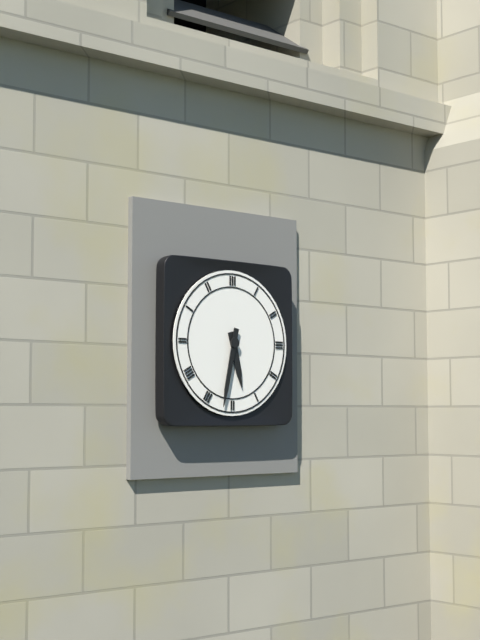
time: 5:32
